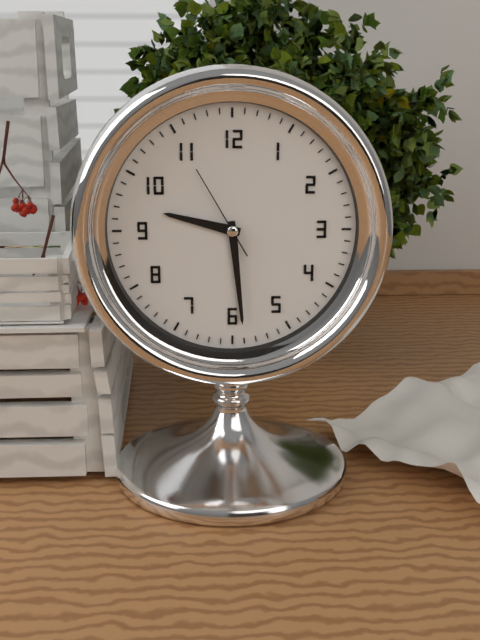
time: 9:29:55
